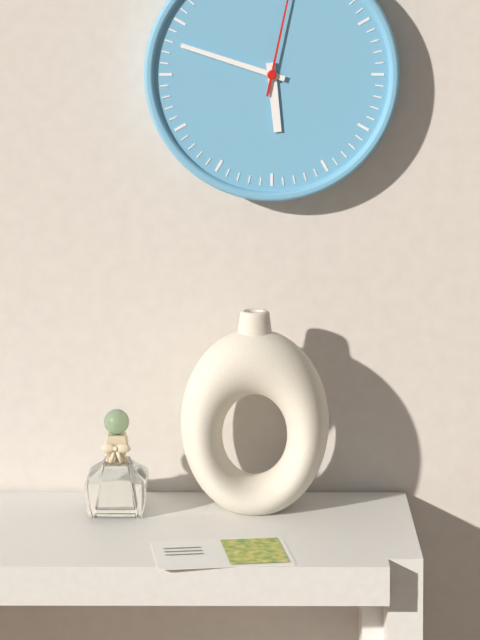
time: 5:48
